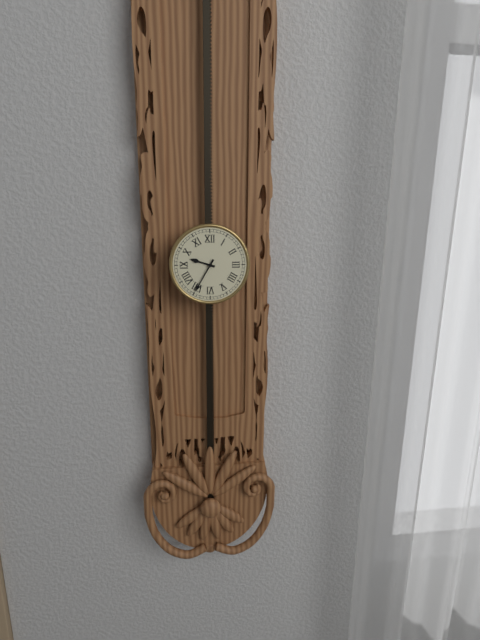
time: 9:35
